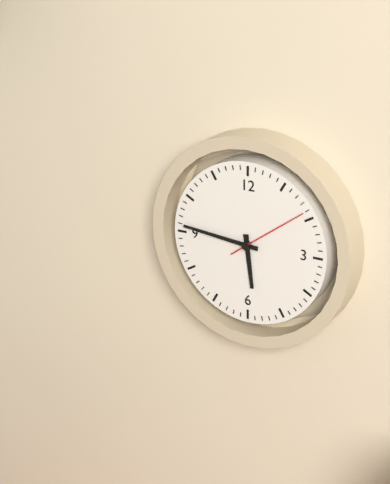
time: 5:46:09
